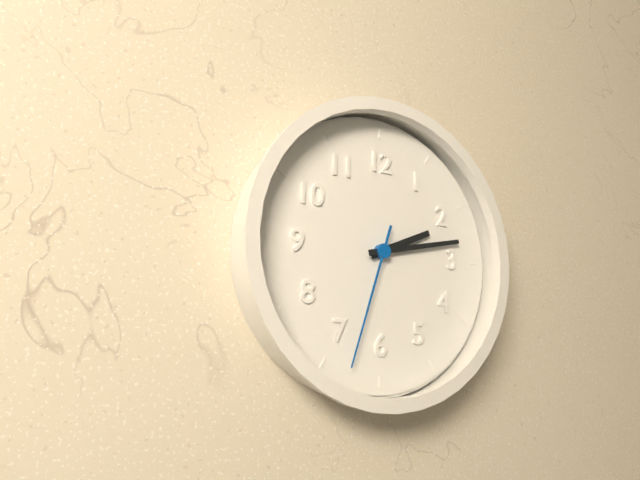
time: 2:13:33
